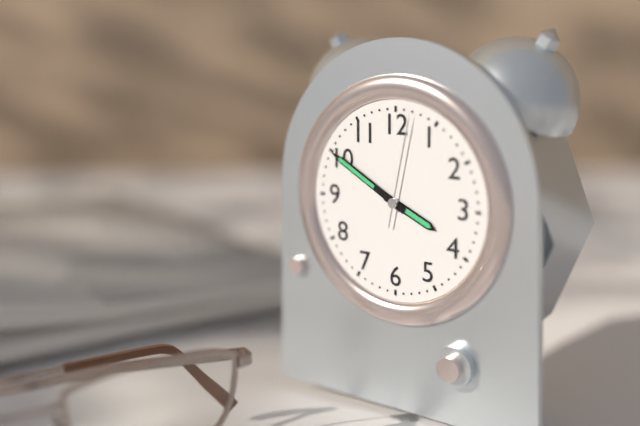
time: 3:50:02
